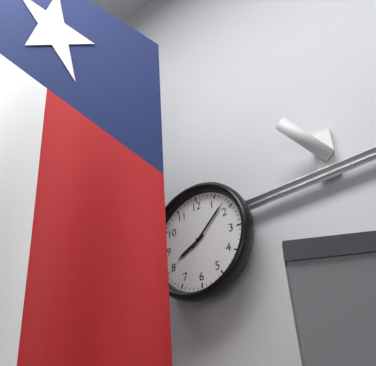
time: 8:08
